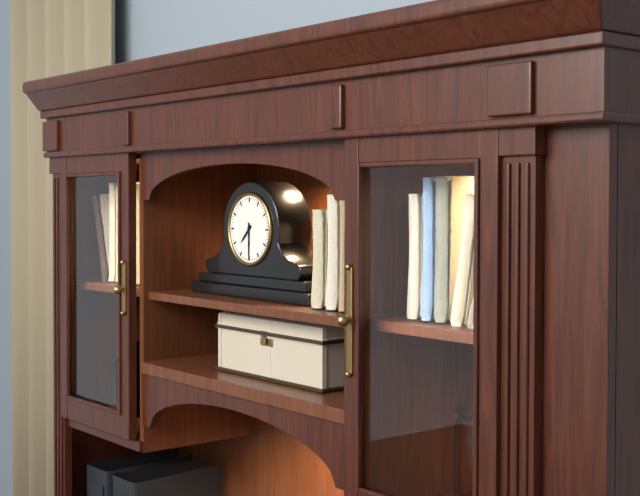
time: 7:30
